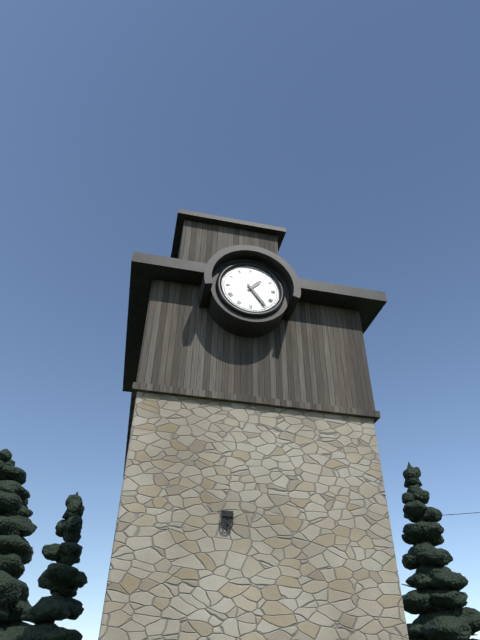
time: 1:24
